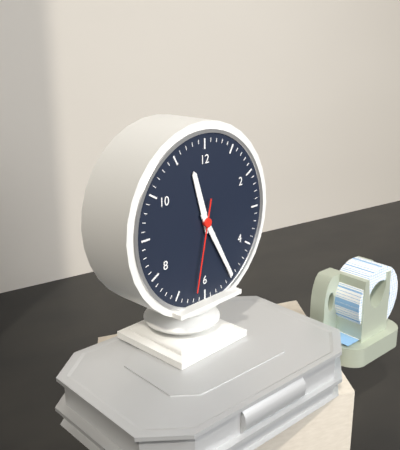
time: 11:25:32
